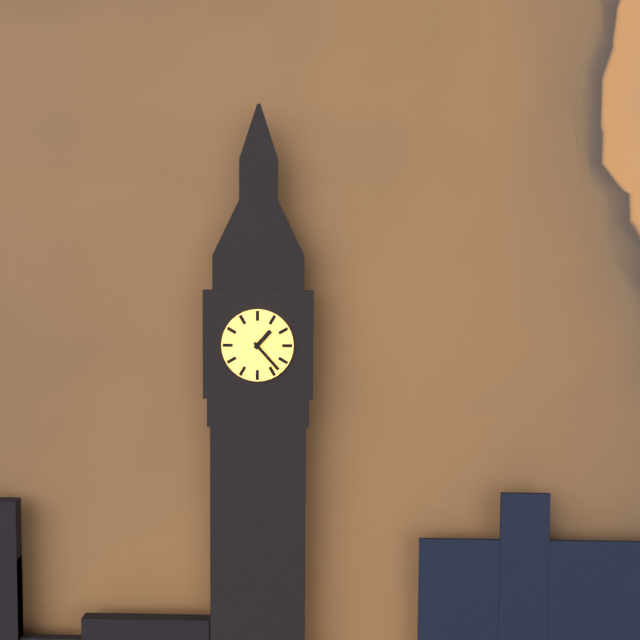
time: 1:23
